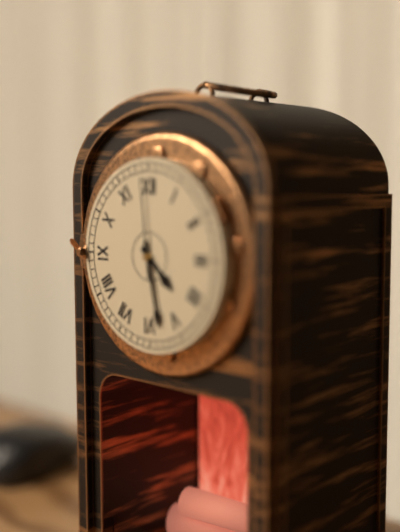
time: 4:28:59
